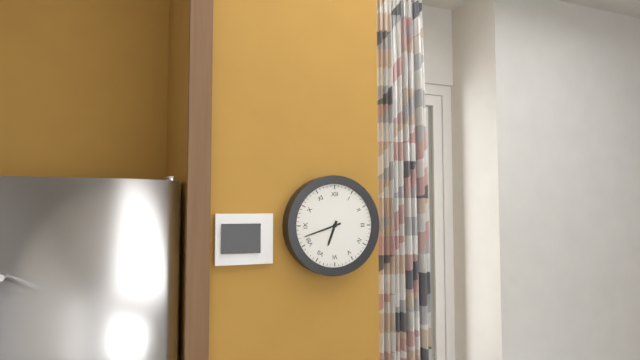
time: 6:42
